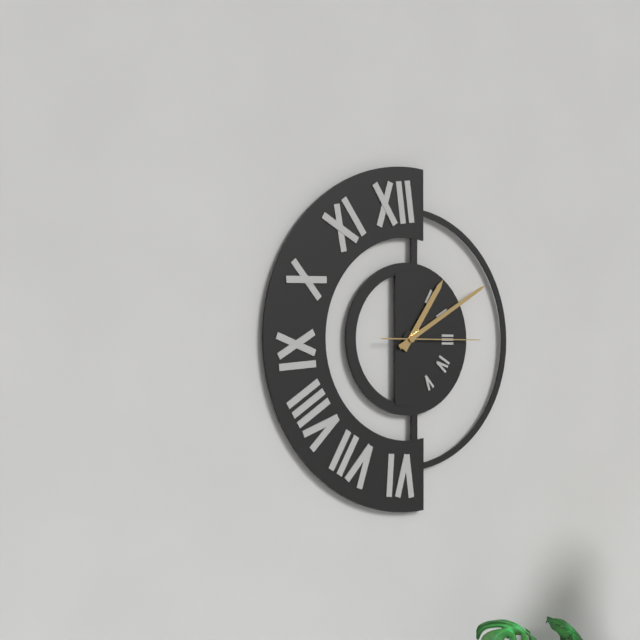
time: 1:10:15
